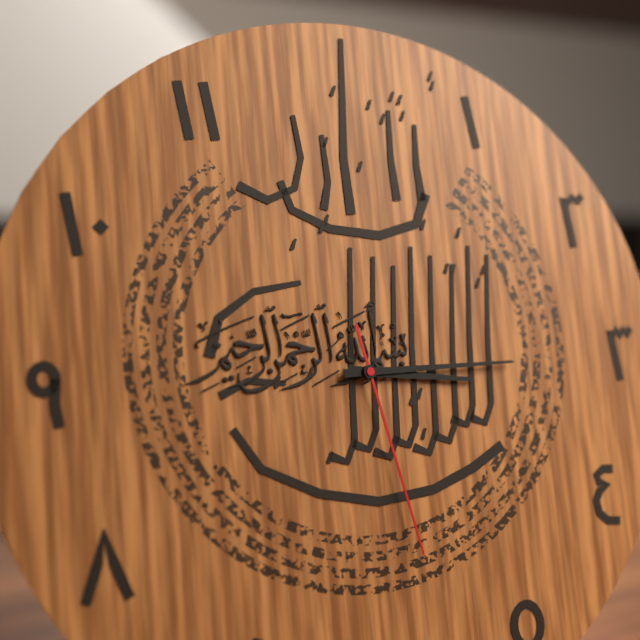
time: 3:15:28
